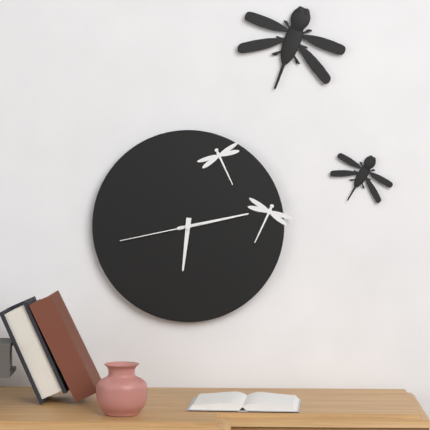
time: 6:13:43
